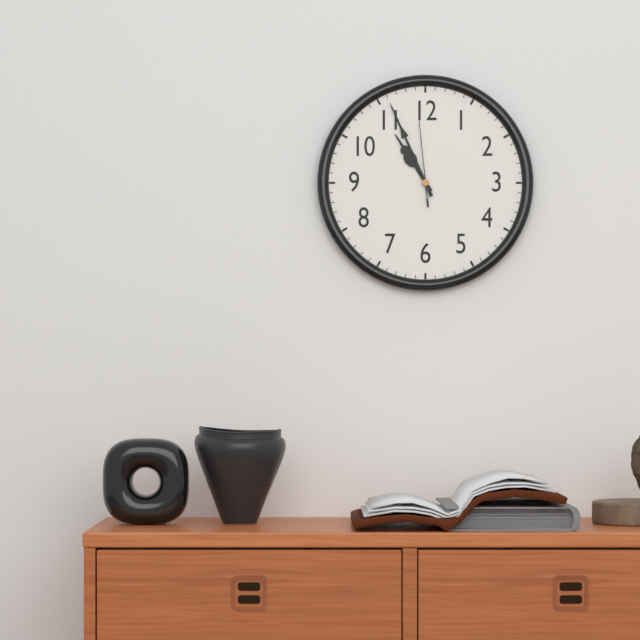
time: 10:56:59
